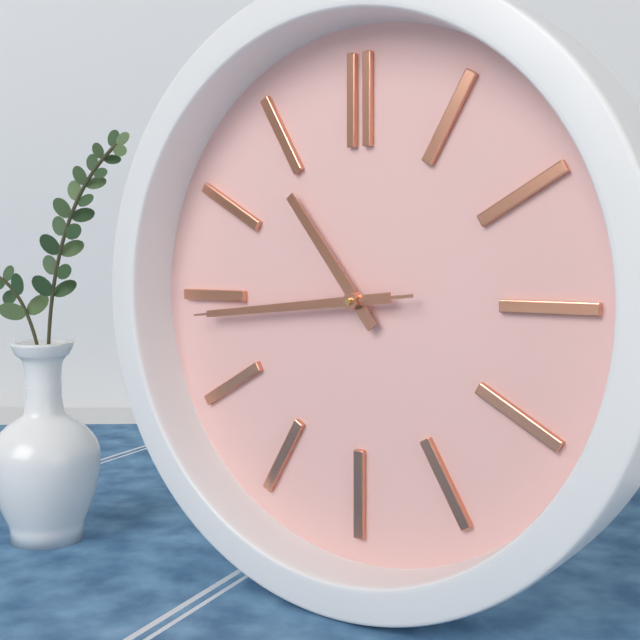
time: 10:44:44
